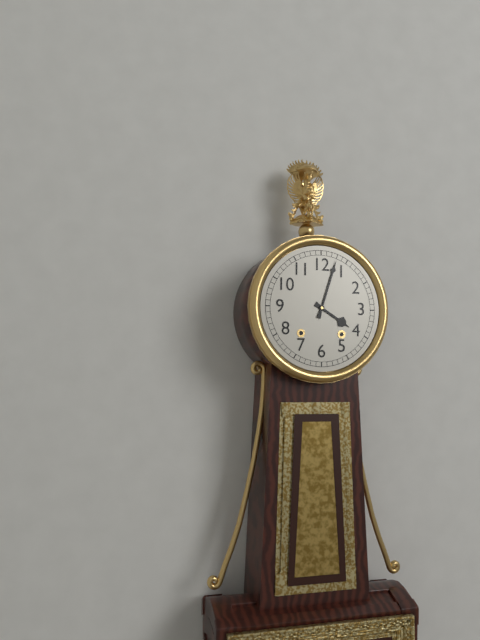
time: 4:03
